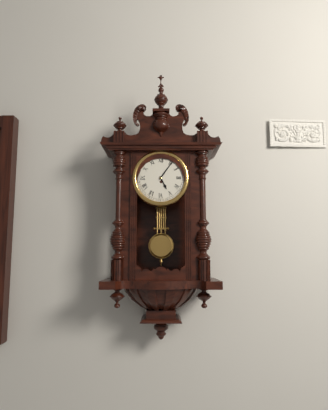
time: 5:06
